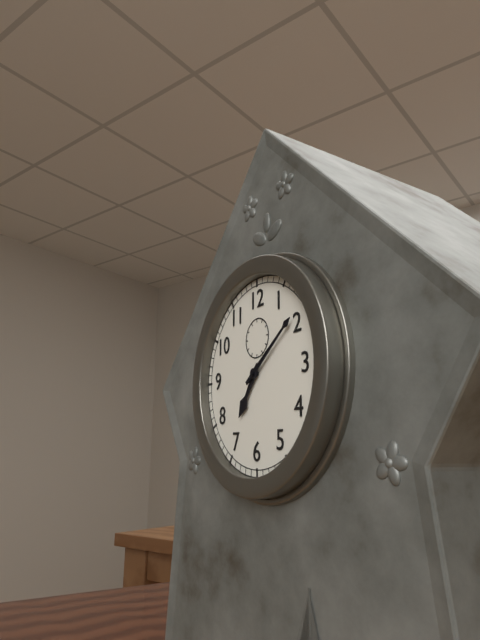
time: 7:09
